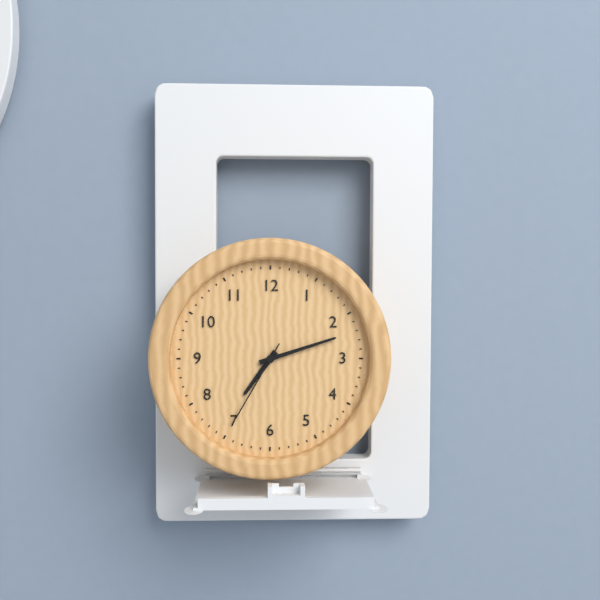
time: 7:12:35
